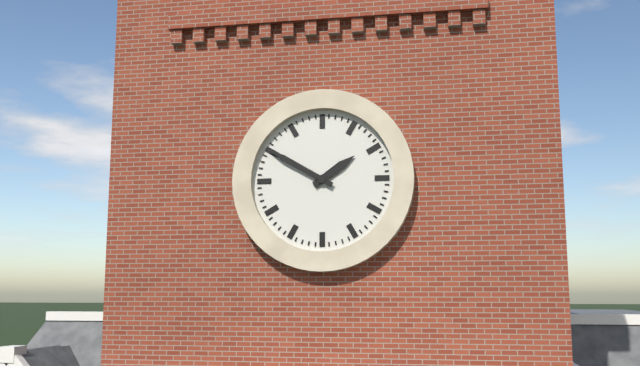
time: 1:50
